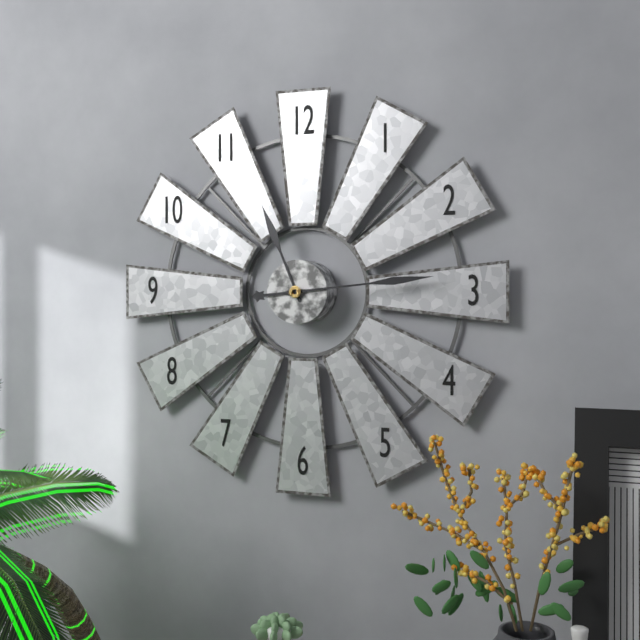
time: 11:14
